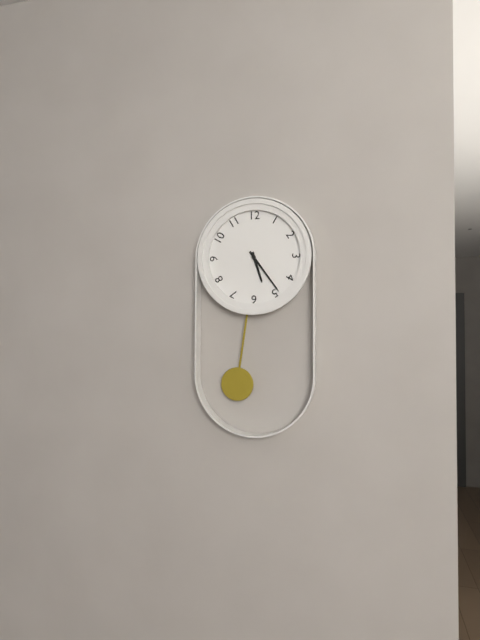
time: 5:24
